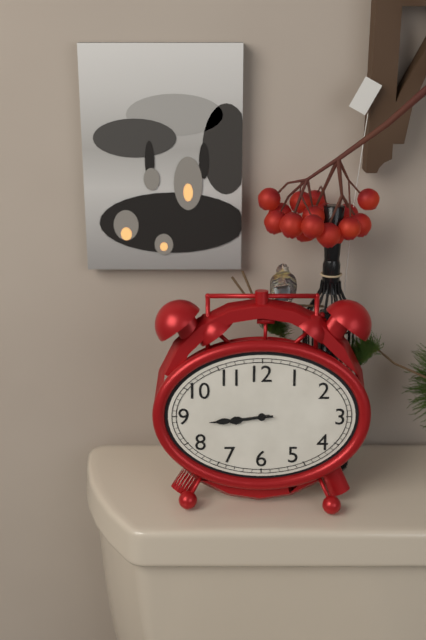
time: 8:44
